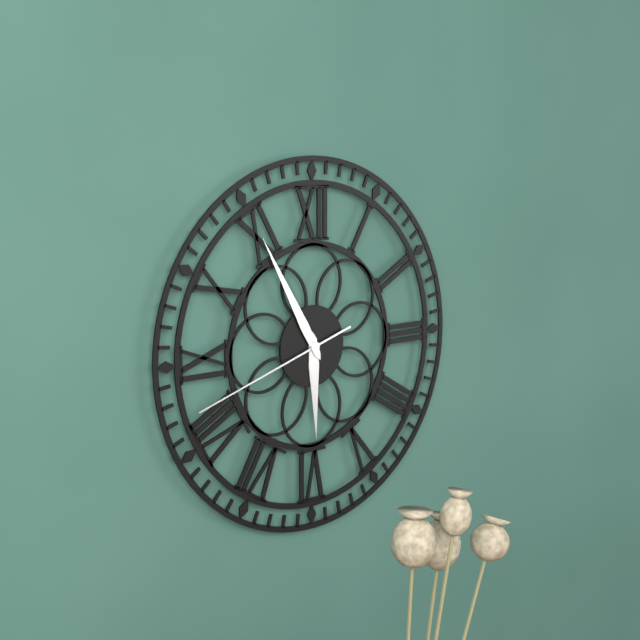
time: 5:55:42
